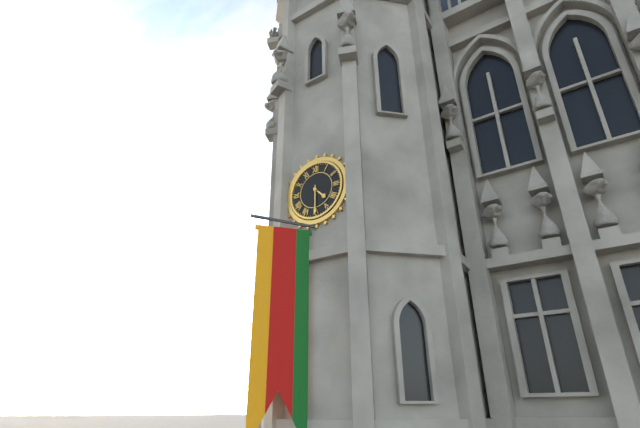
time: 4:30
